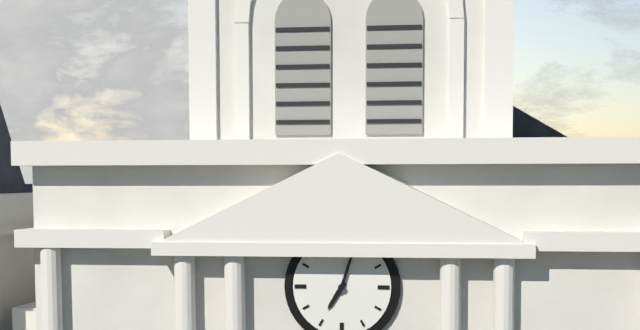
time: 7:03
